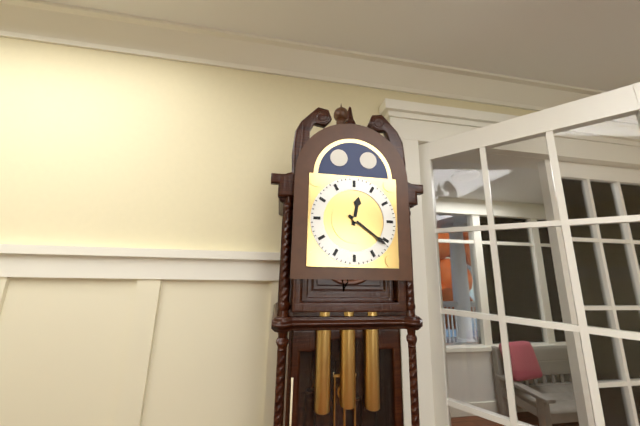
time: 12:21
